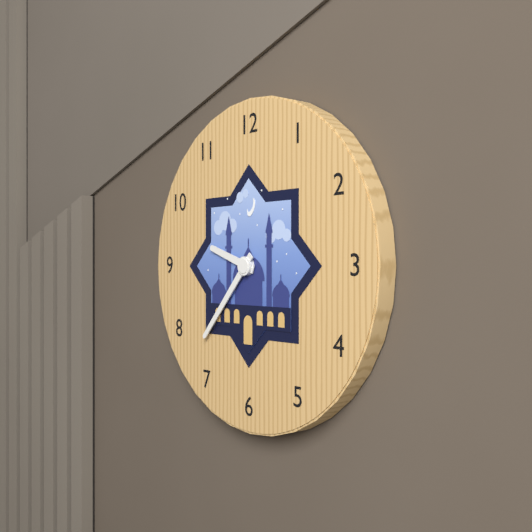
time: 9:37
